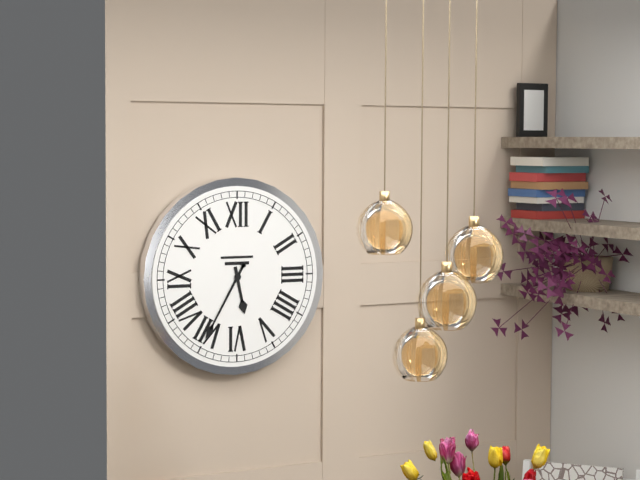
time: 5:35
